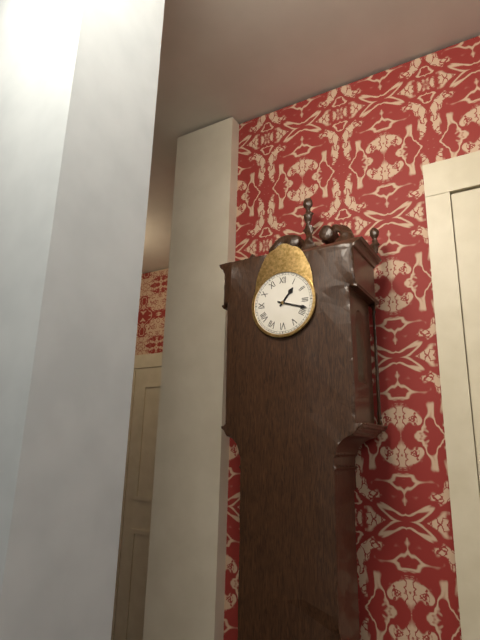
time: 1:18
